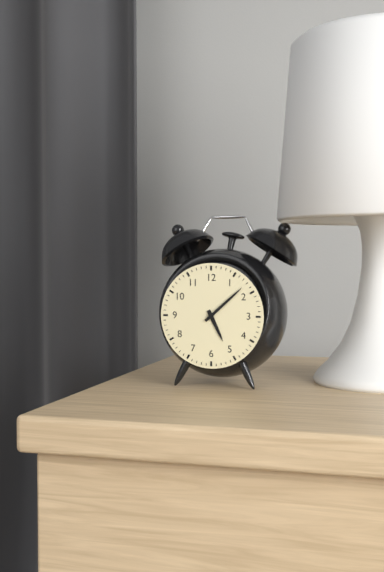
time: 5:08
